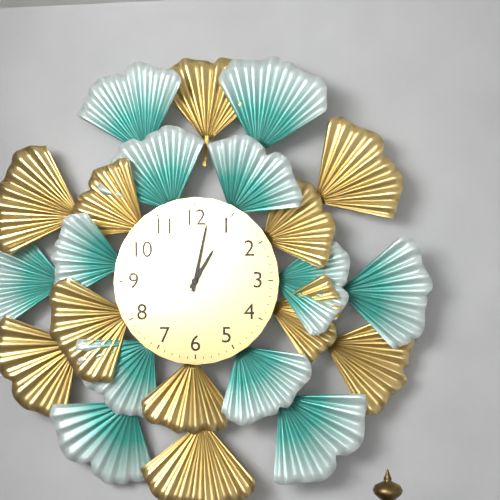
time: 1:02
